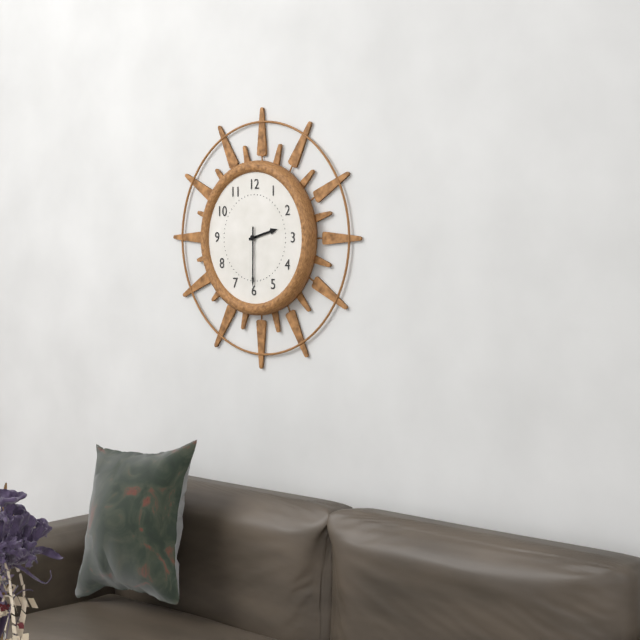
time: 2:30
